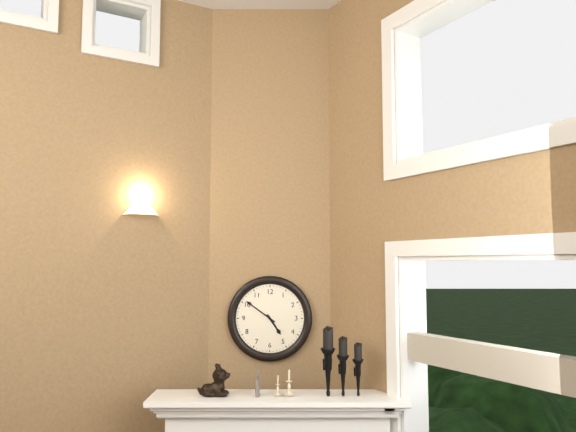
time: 4:51
